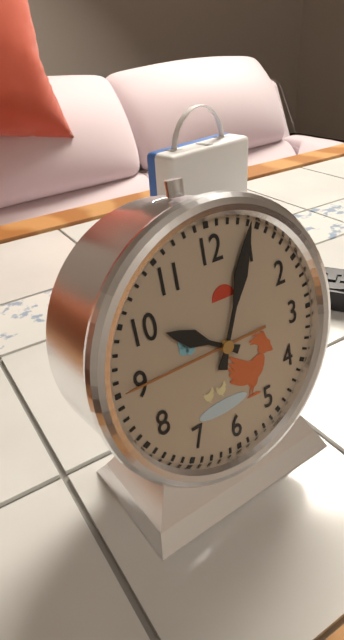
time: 10:04
